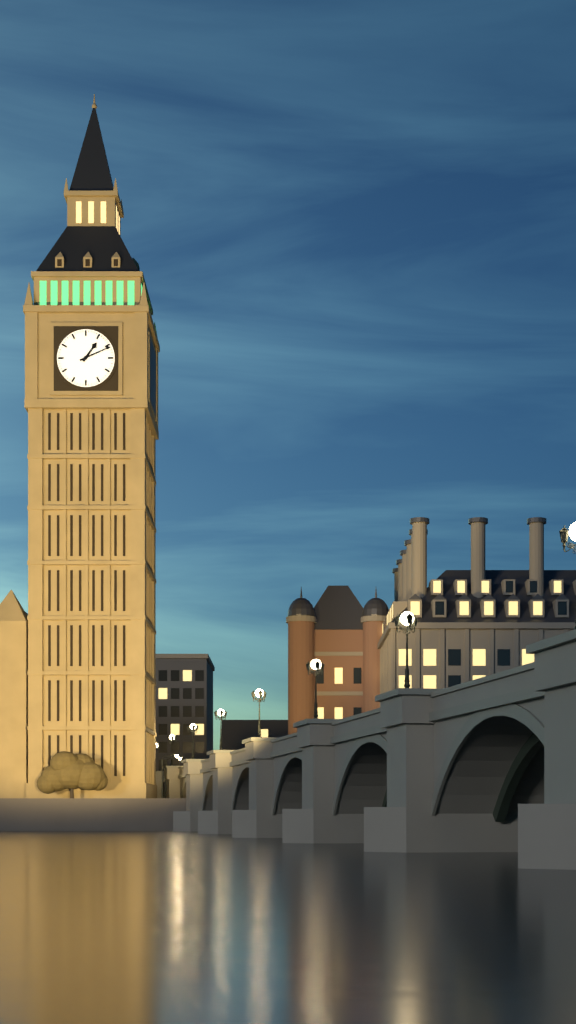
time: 1:11
